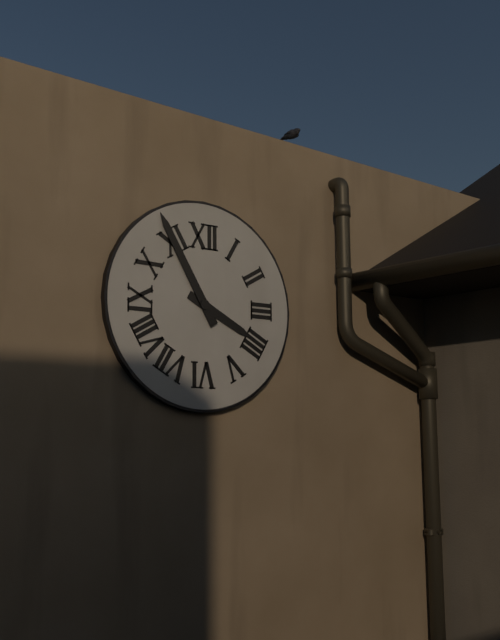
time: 3:55
